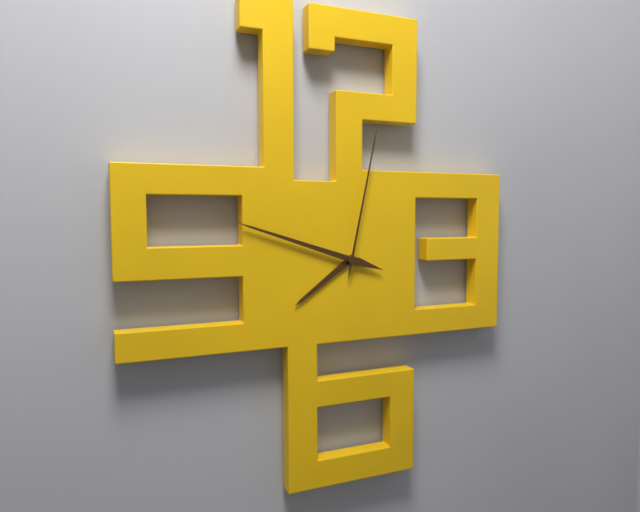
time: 7:48:02
